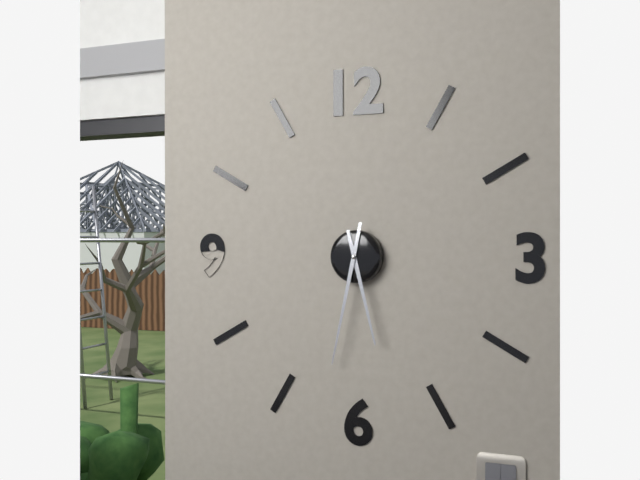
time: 5:32
